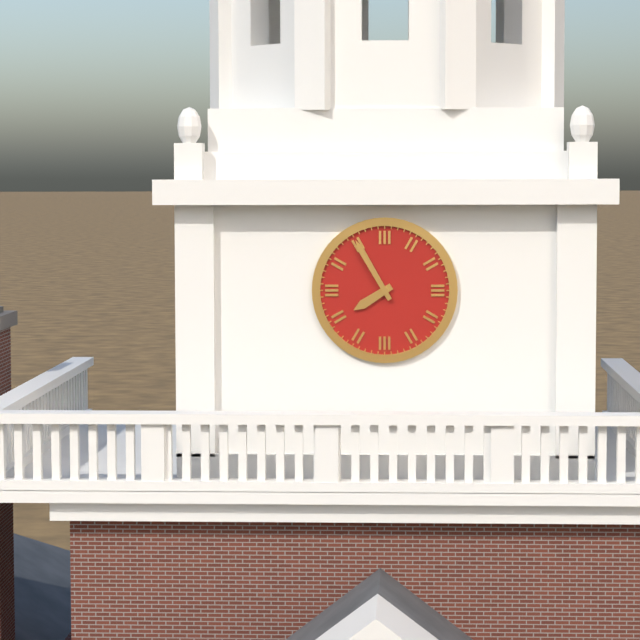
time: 7:55
